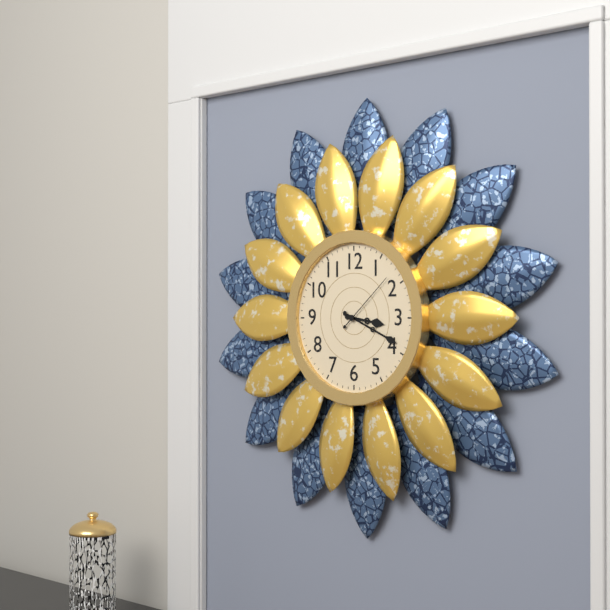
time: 3:19:08
